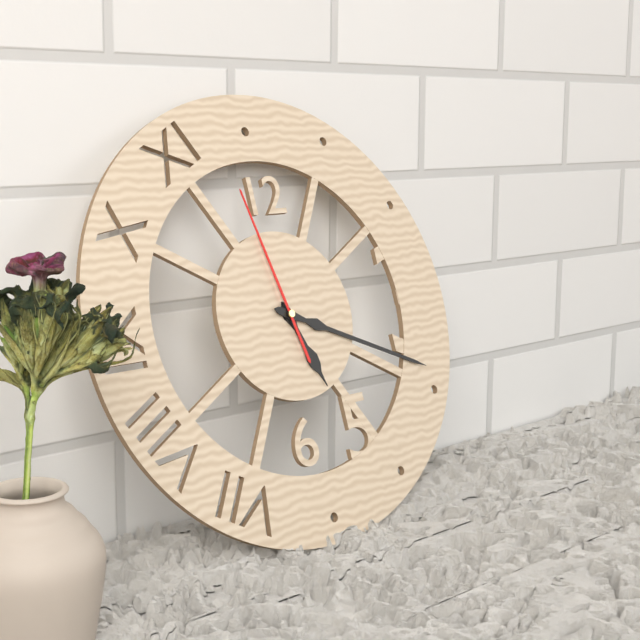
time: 5:19:58
